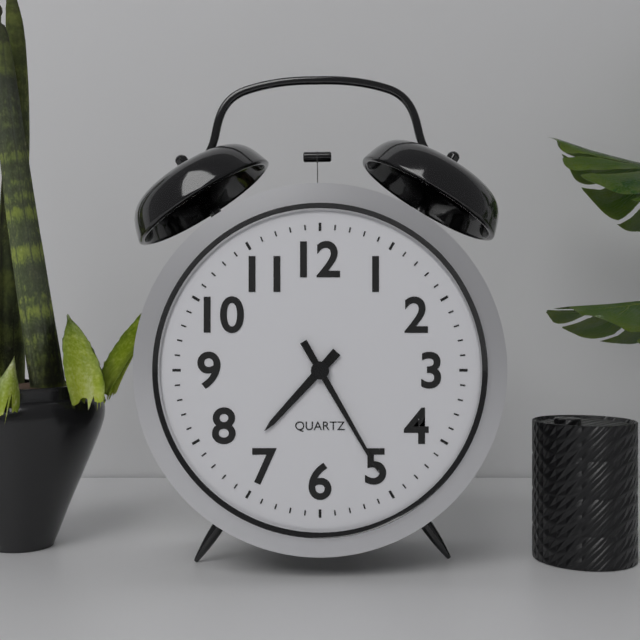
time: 7:25
